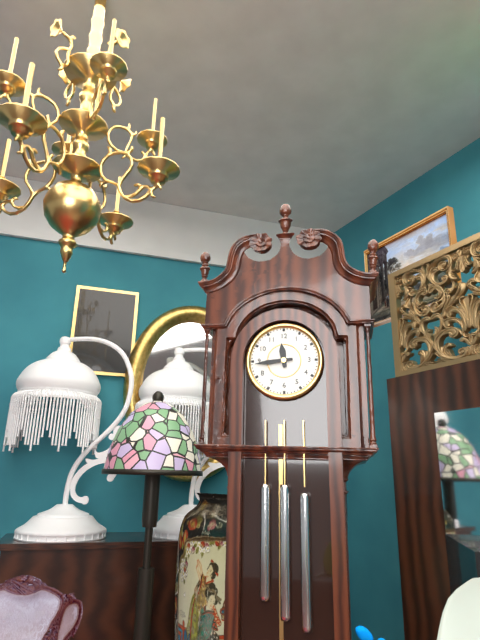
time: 11:44
